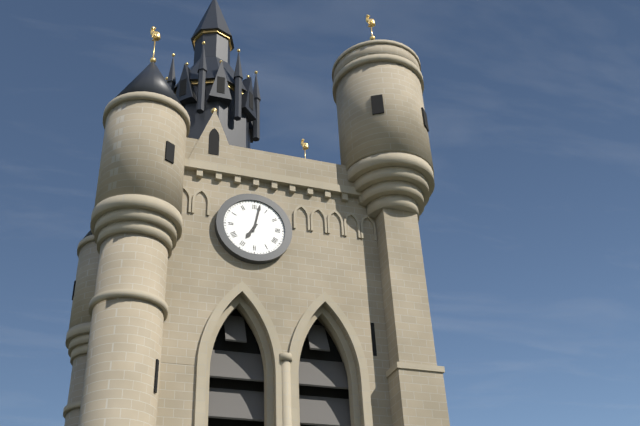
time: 7:02
